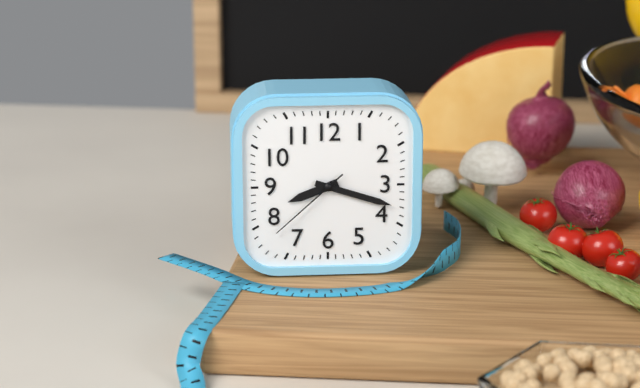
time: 8:18:38
